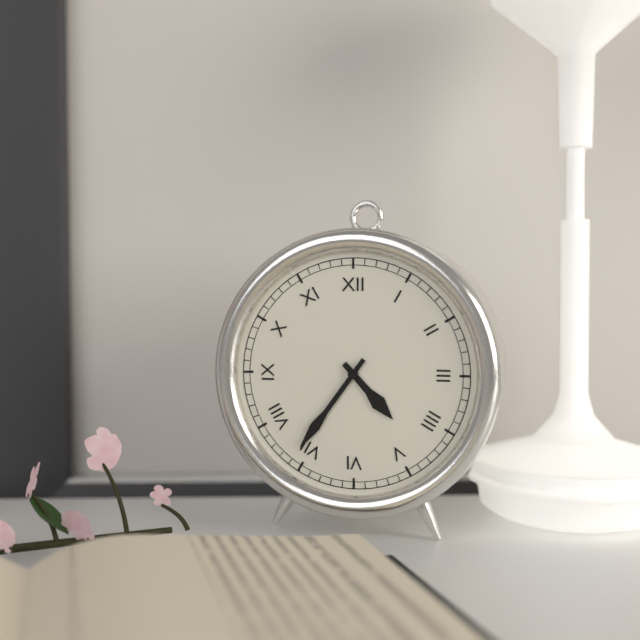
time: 4:36
